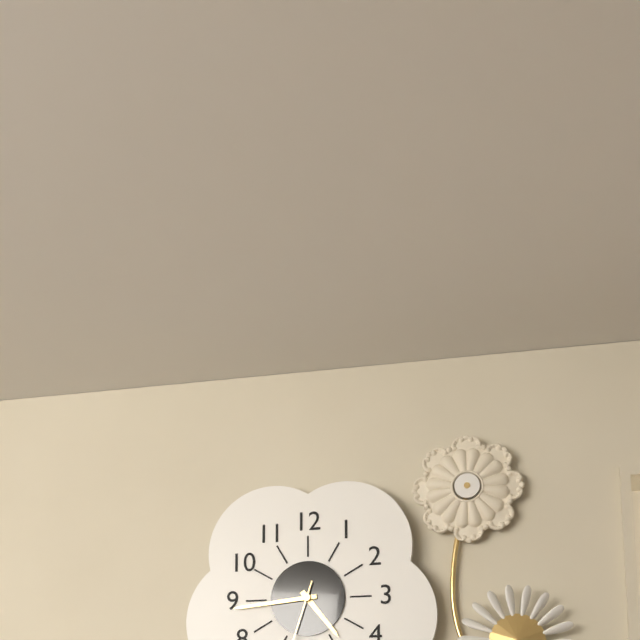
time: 4:44
